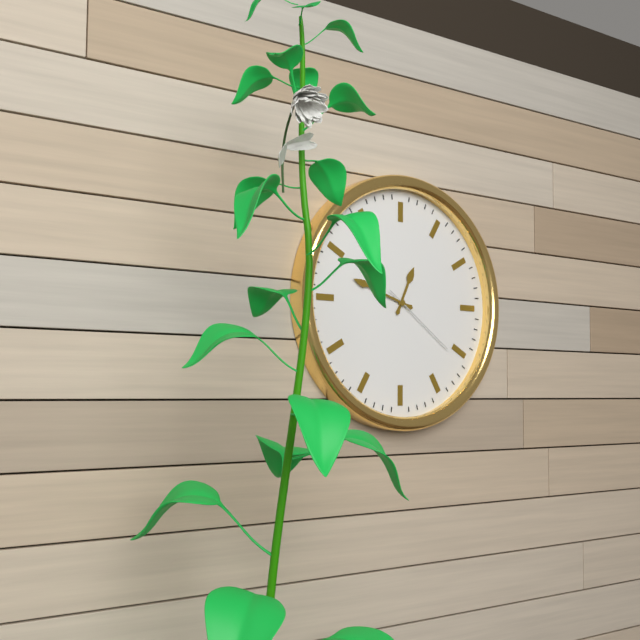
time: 12:48:21
